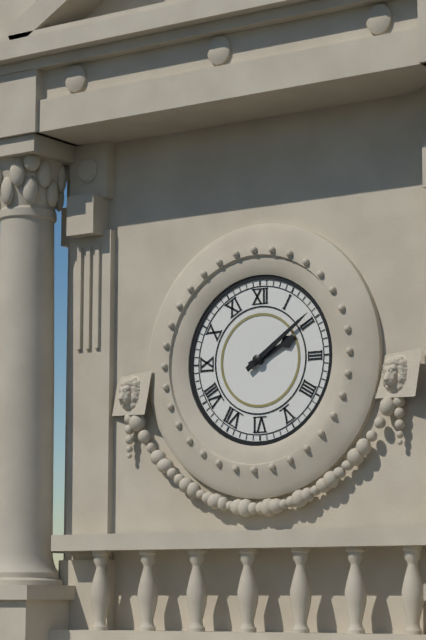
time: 2:09
